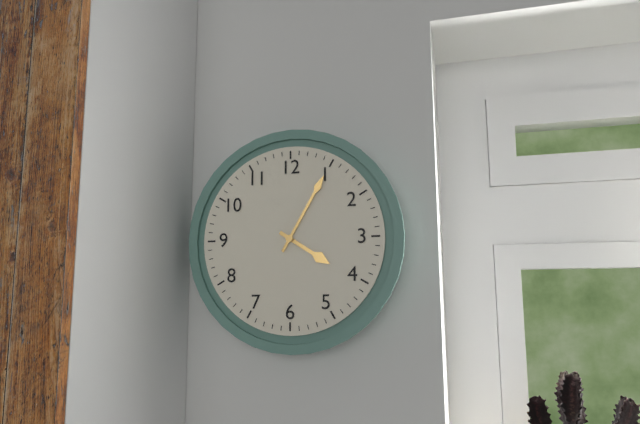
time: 4:05
